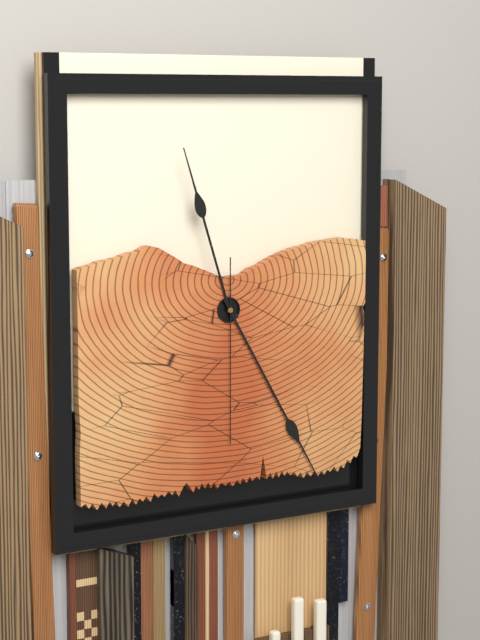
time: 11:25:30
